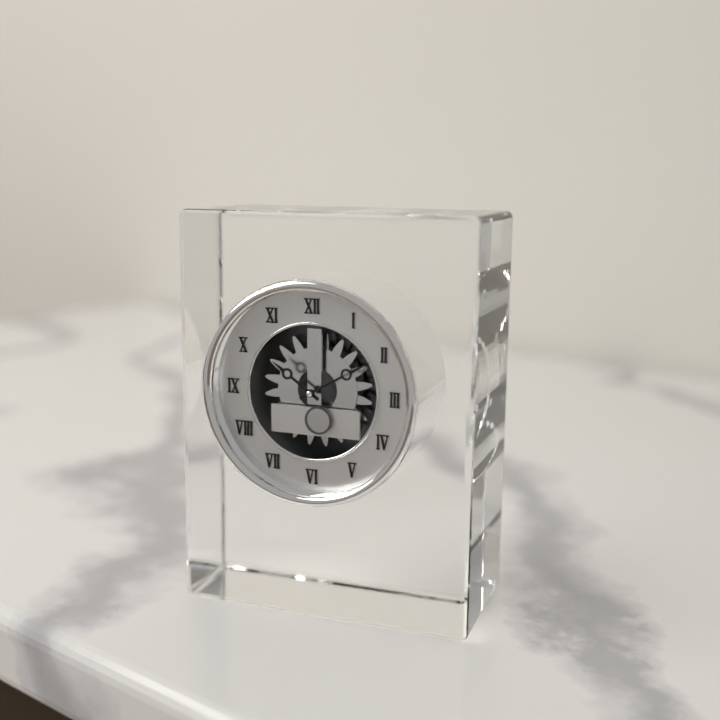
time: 10:10
